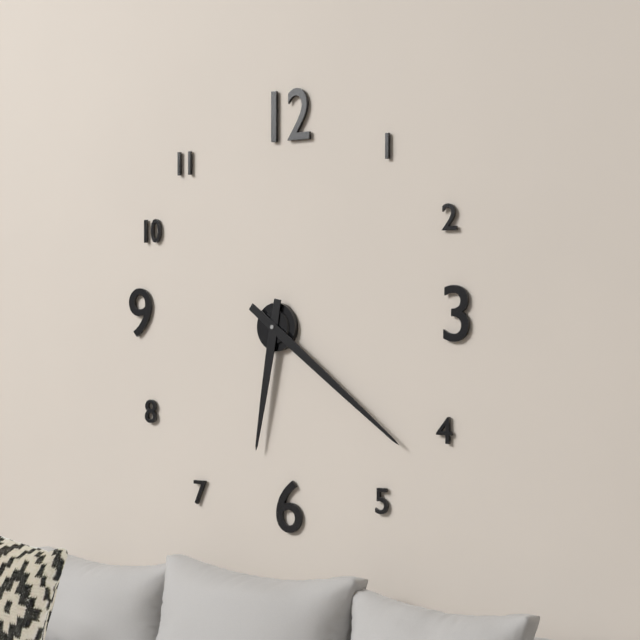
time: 6:21
